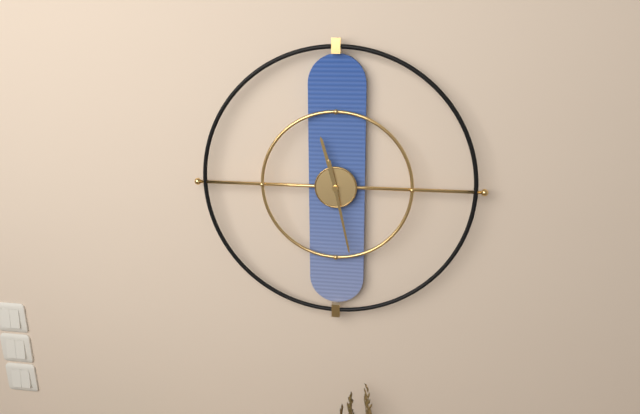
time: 11:28
